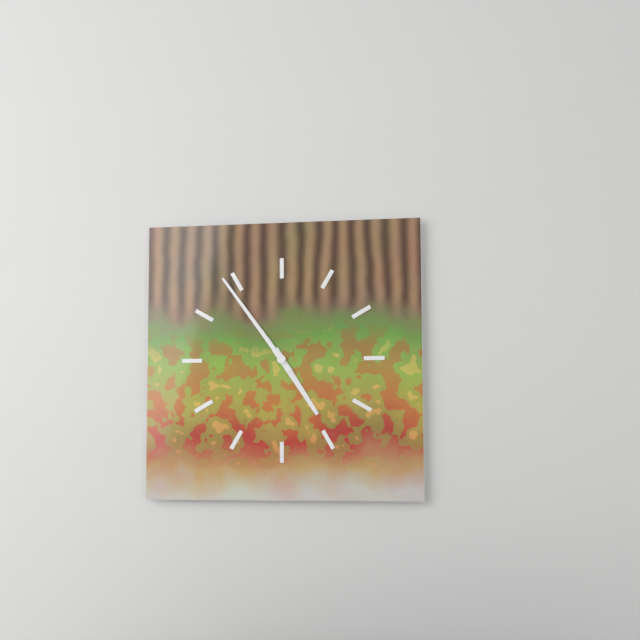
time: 4:54
